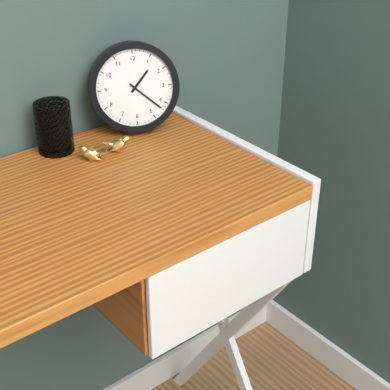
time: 1:22
